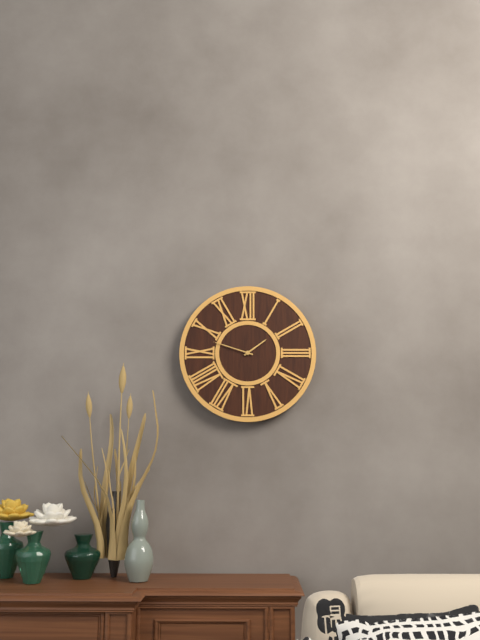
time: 1:48
